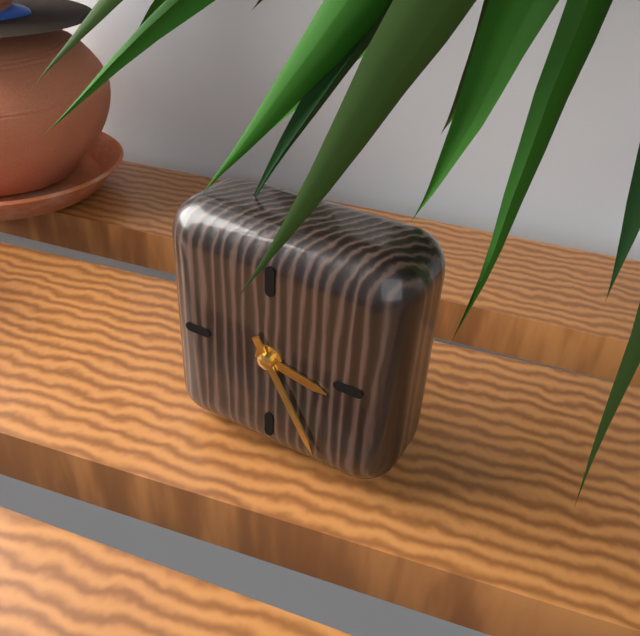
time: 3:25
